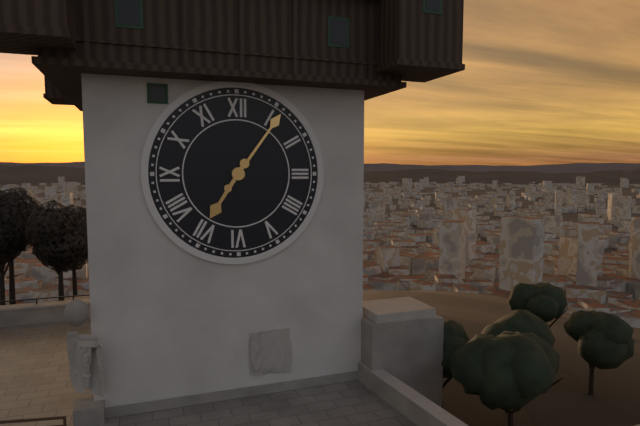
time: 7:06
